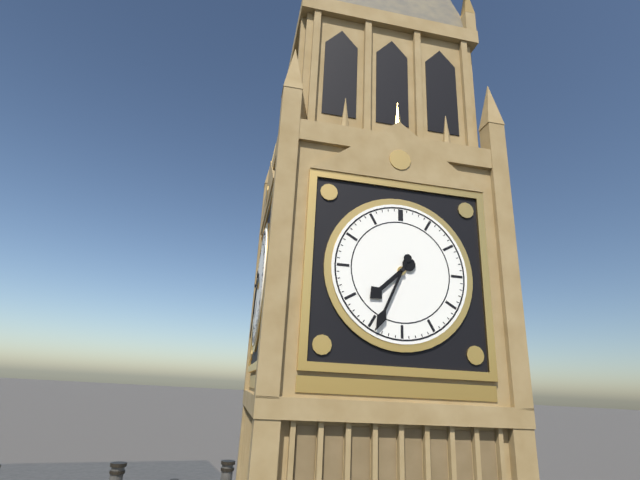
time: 7:34
